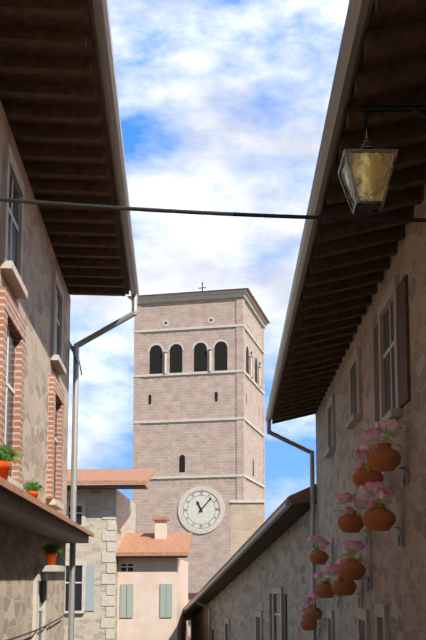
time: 11:07
